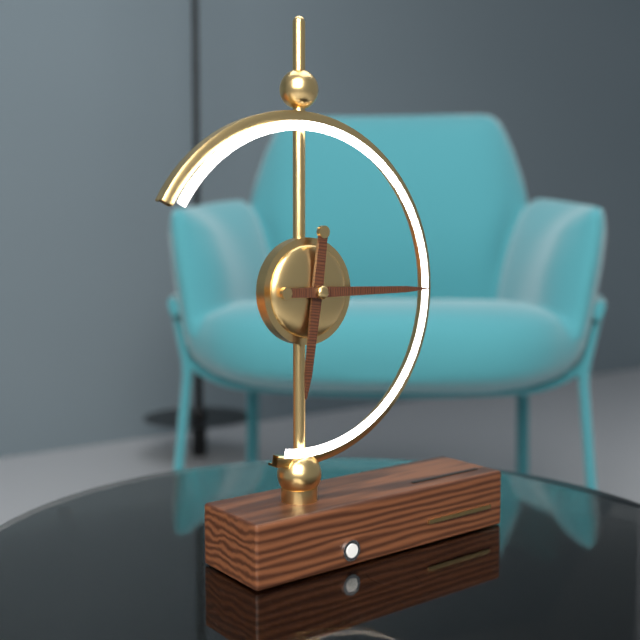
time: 6:15
